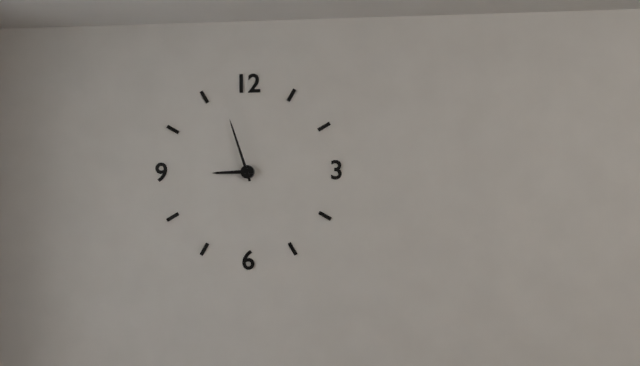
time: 8:57
